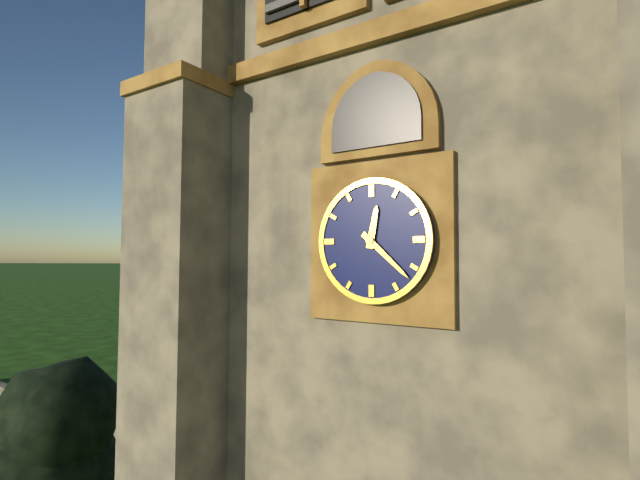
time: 12:22
